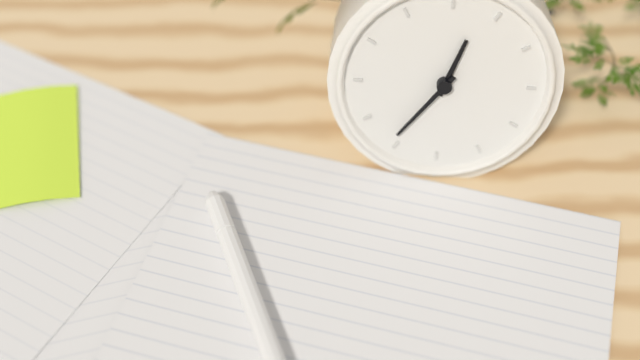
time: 12:36
